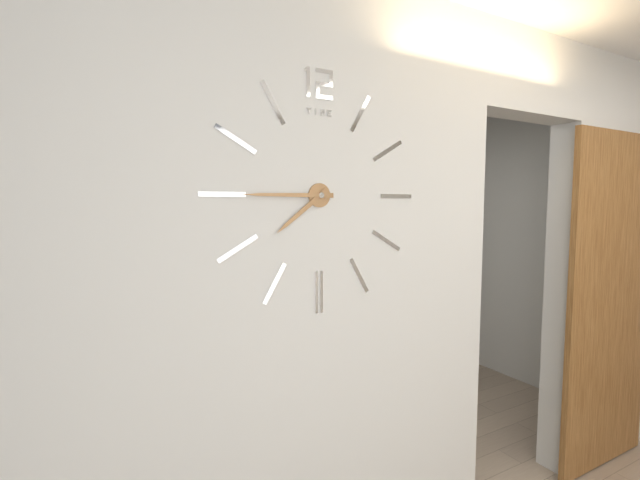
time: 7:45
